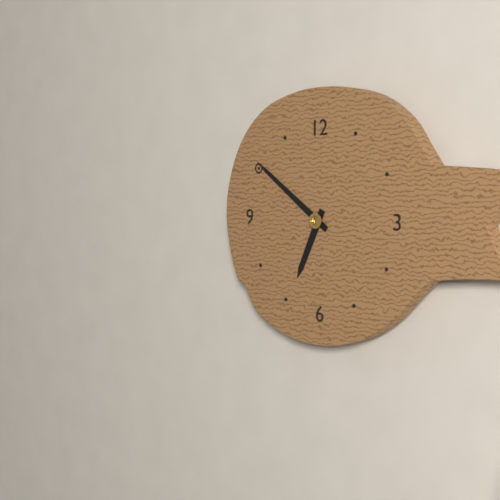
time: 6:51
